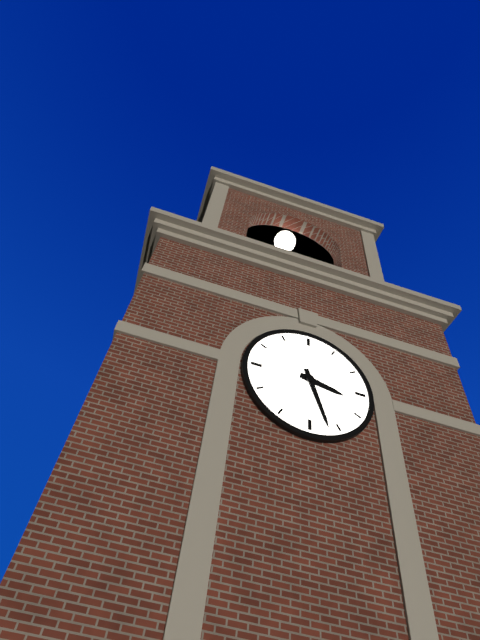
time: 3:27
